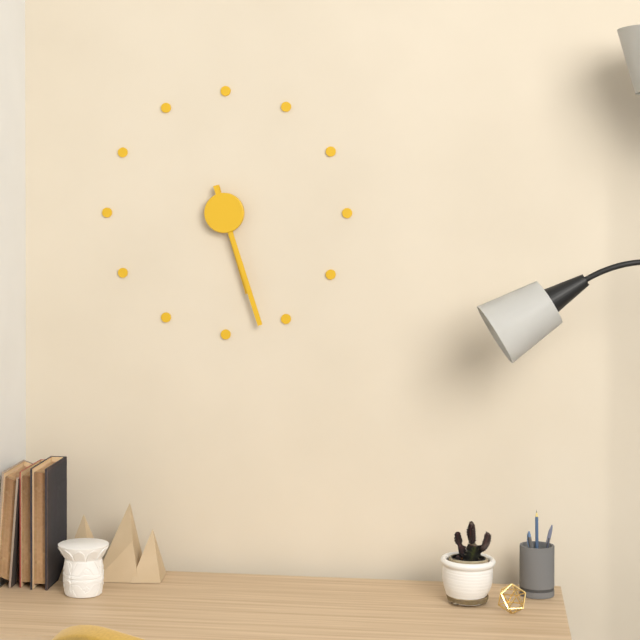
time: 5:27
